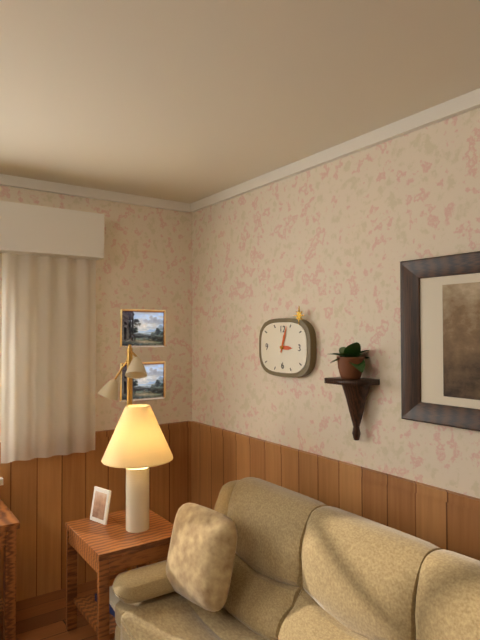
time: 3:03
